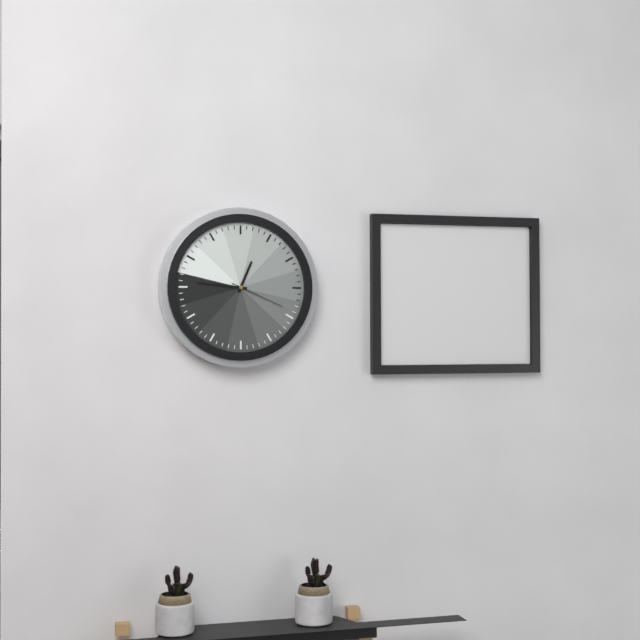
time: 12:46:19
